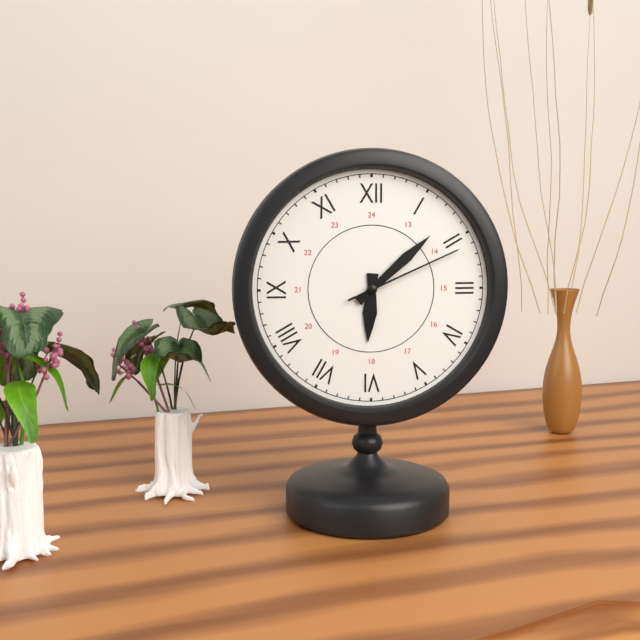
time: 6:08:11
